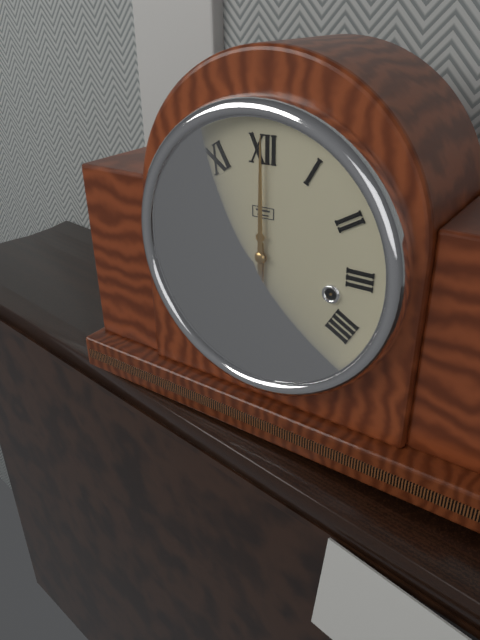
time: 6:00
